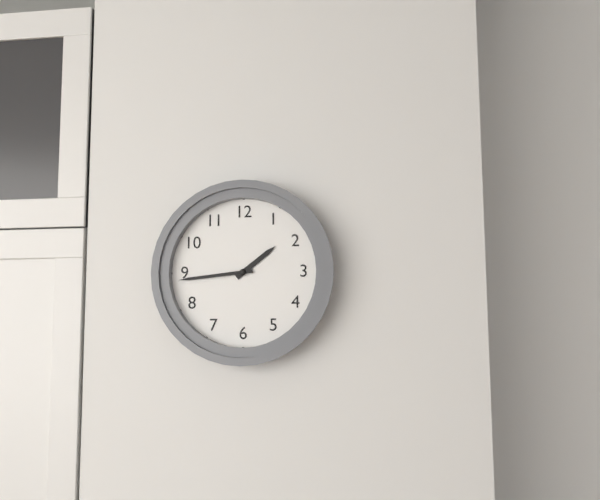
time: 1:44
